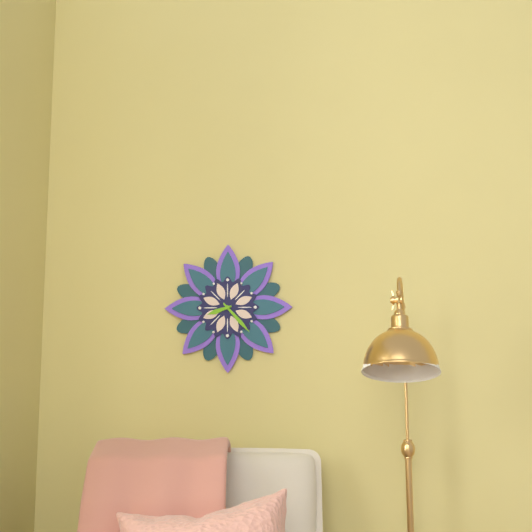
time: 8:23
